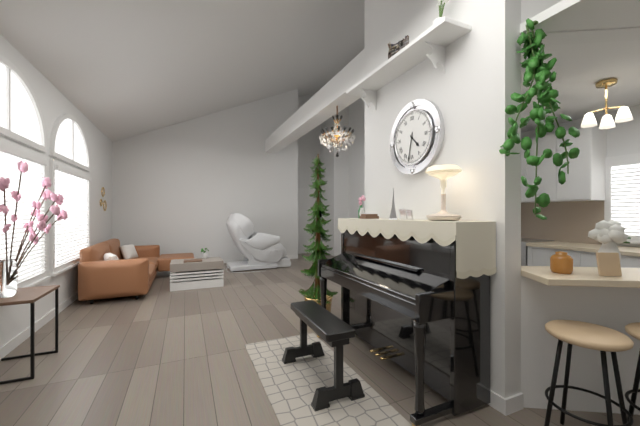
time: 4:32
